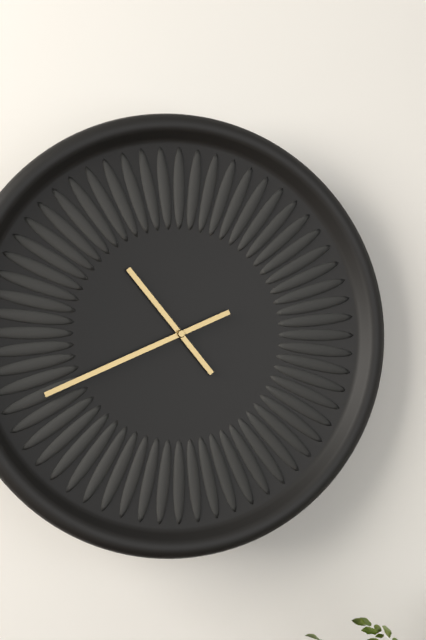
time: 10:41
